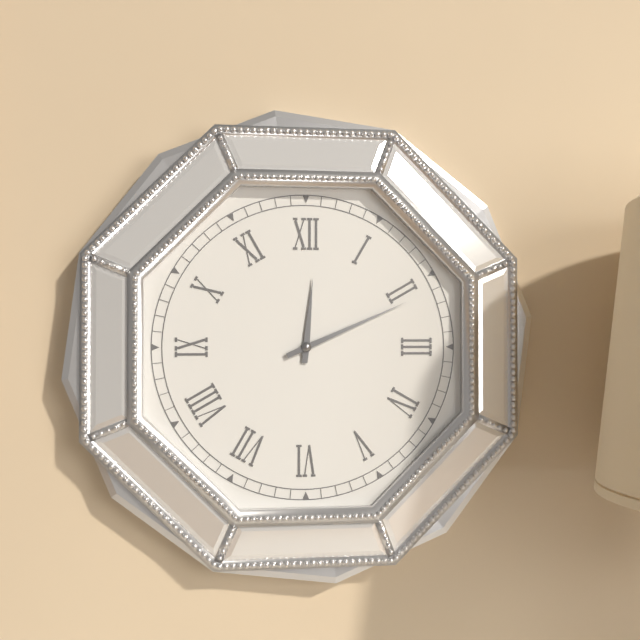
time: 12:11
